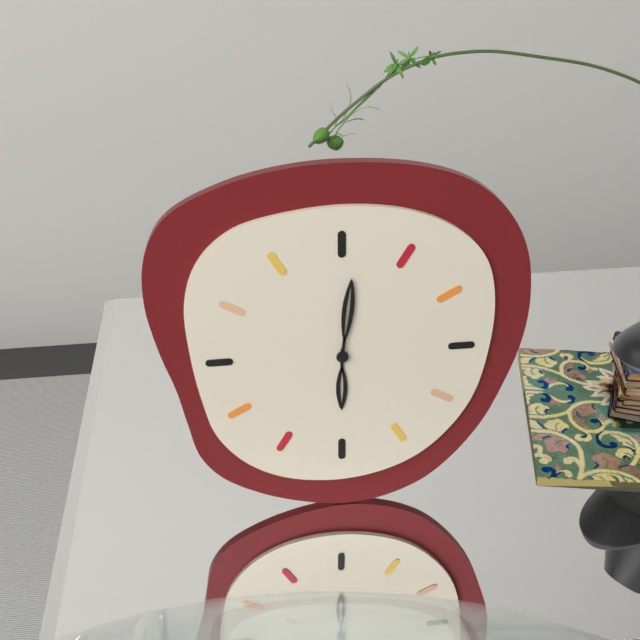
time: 6:01
